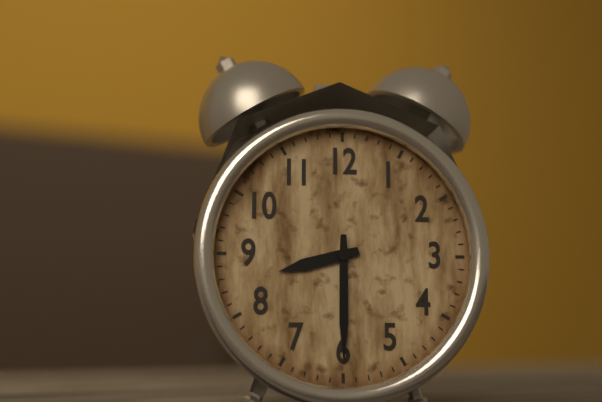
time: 8:30
